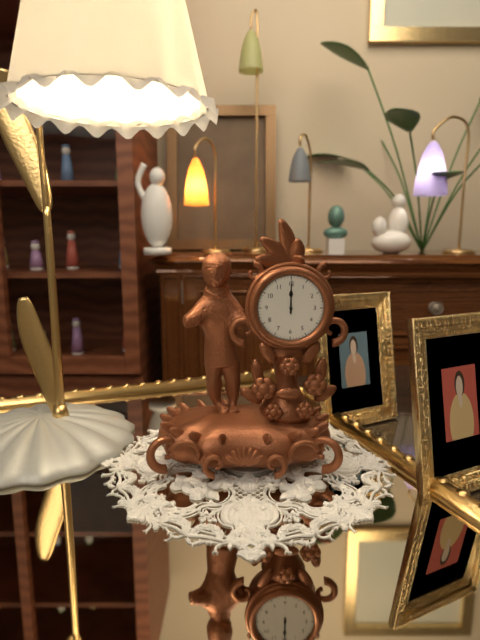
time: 12:00
